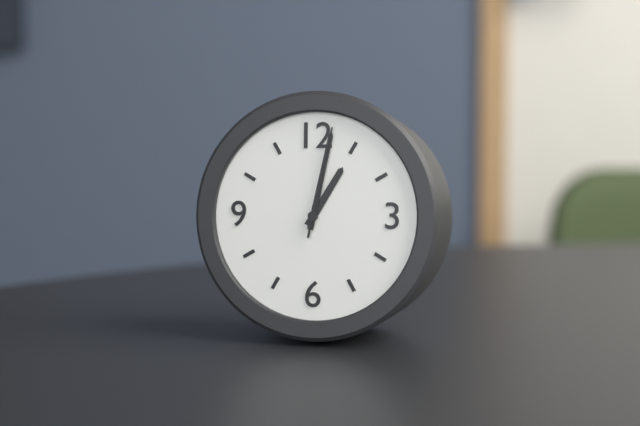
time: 1:02:02
